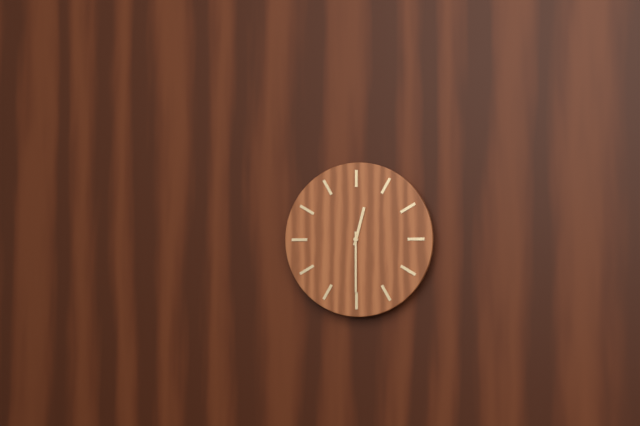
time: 12:30
